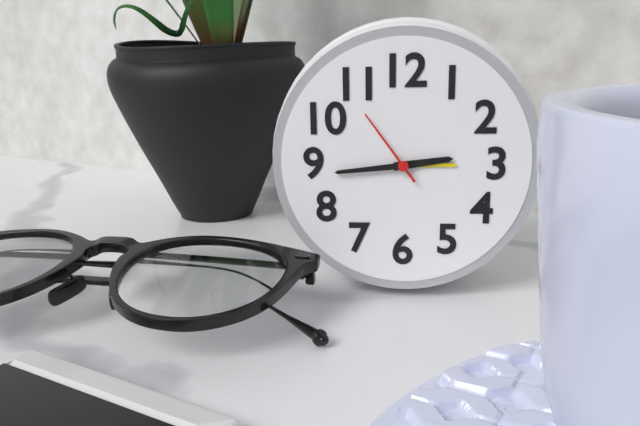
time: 2:44:54
